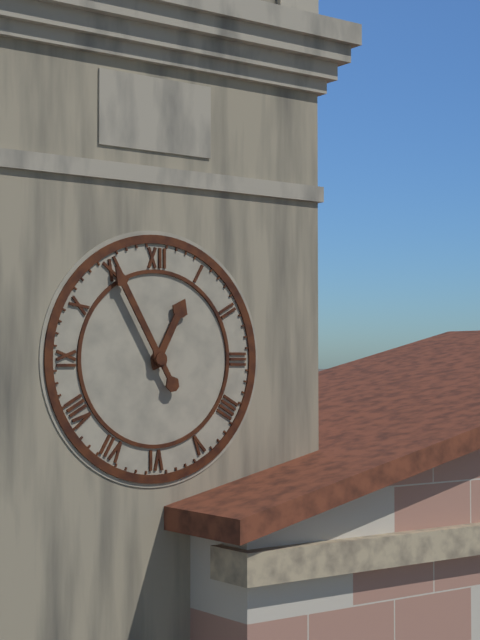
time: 12:55
